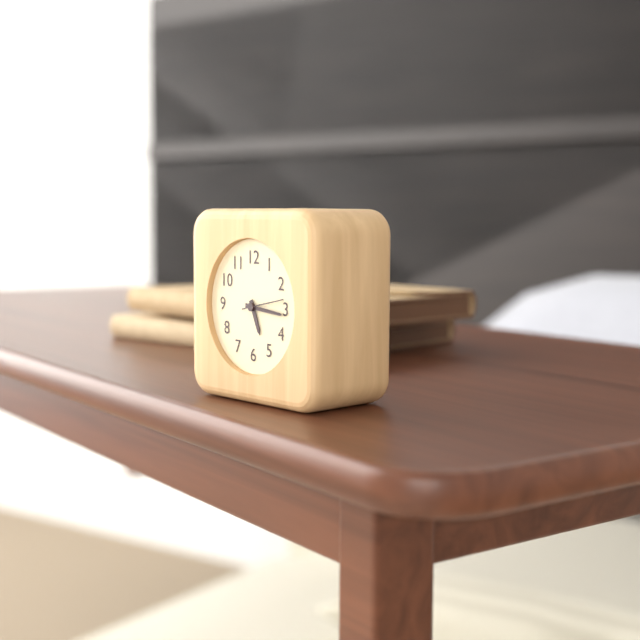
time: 5:16
